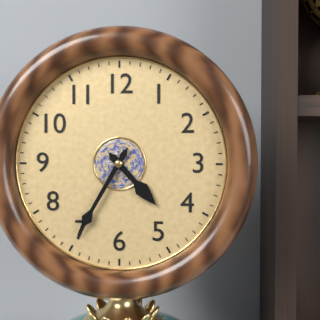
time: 4:35
